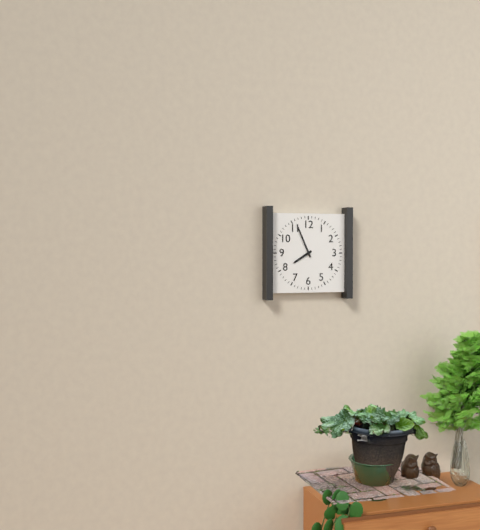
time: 7:56
